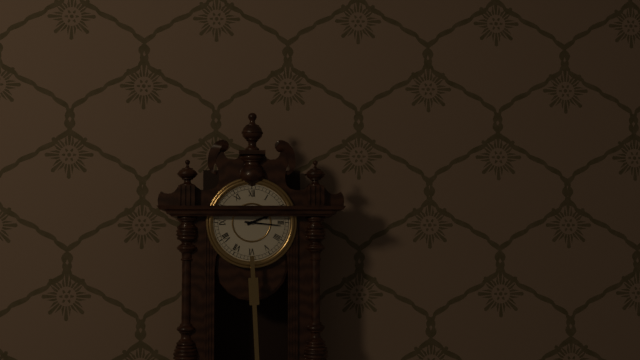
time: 2:16
